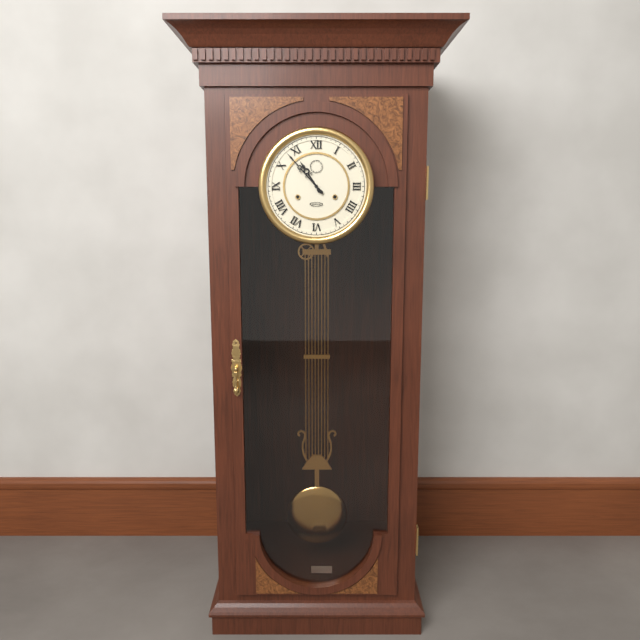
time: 10:53
